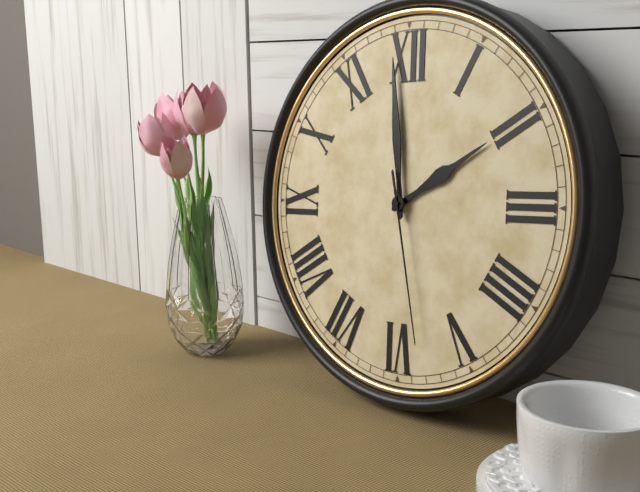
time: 1:59:28
